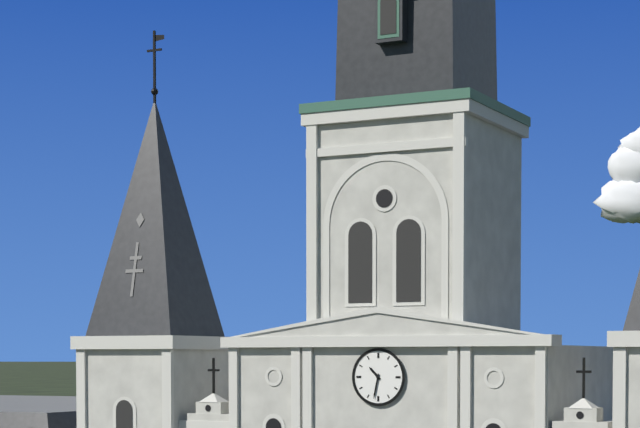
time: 10:32
